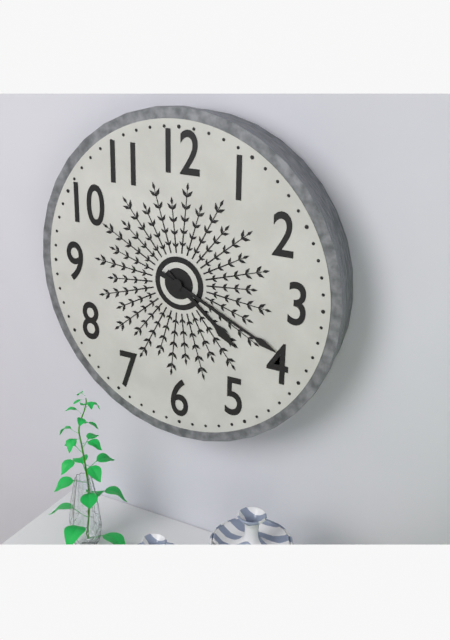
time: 4:19
